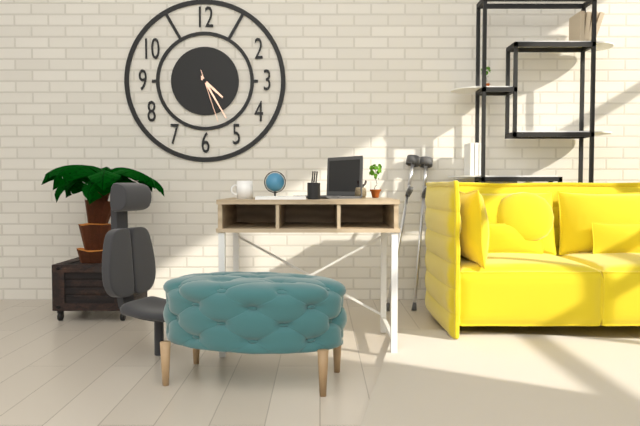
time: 4:25:27
